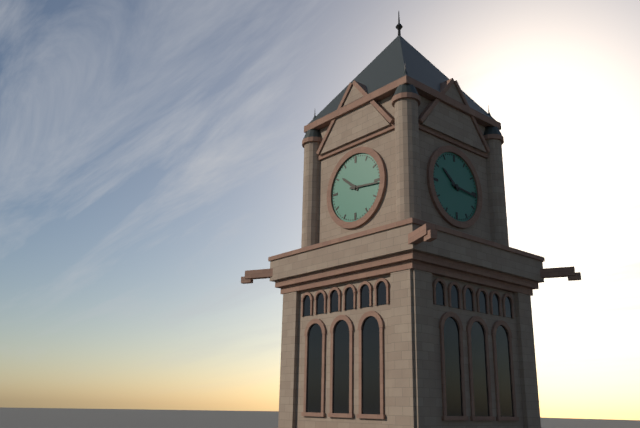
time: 10:16
